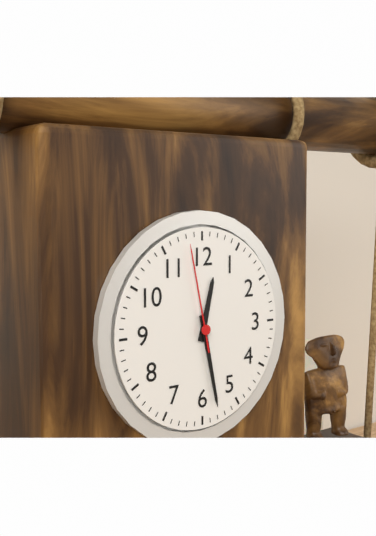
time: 12:28:58
